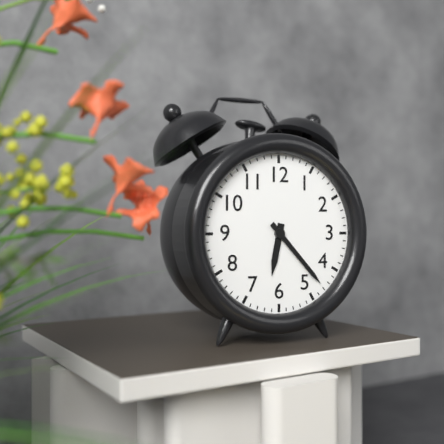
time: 6:23
